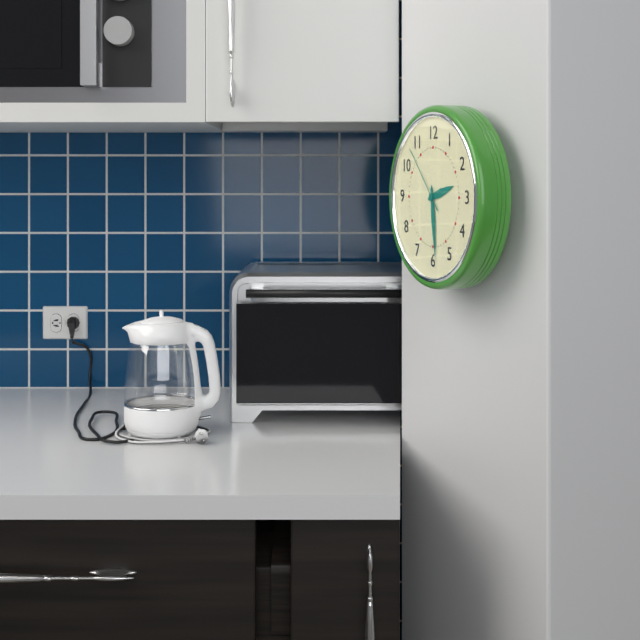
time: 2:29:53
